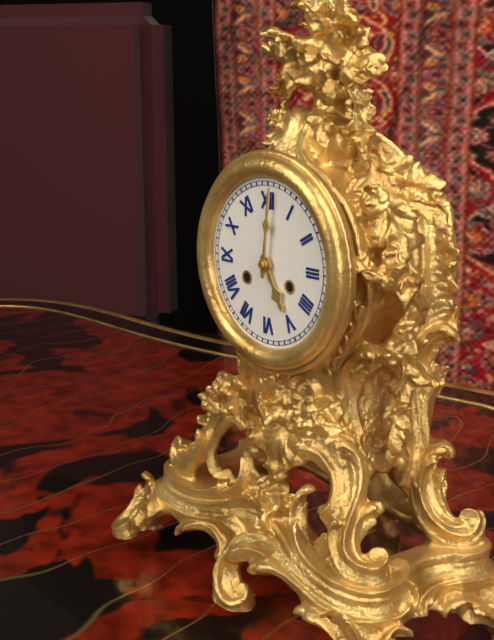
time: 5:01
